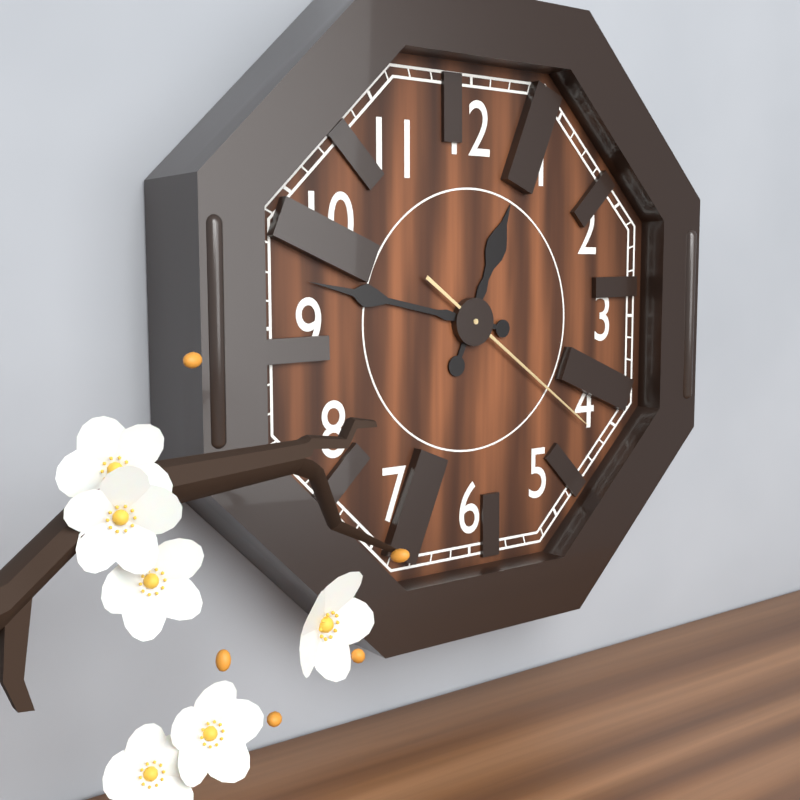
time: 12:47:21
